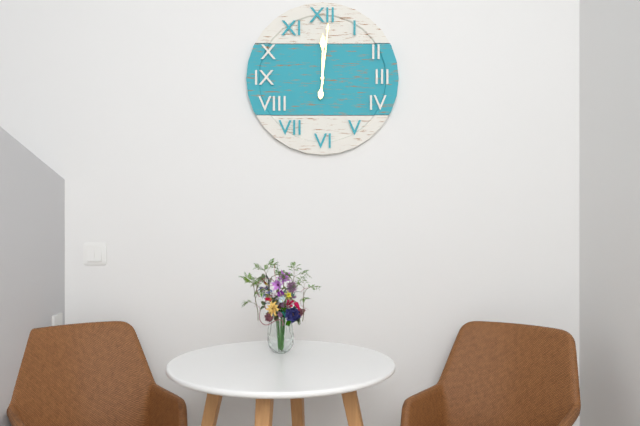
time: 12:01
